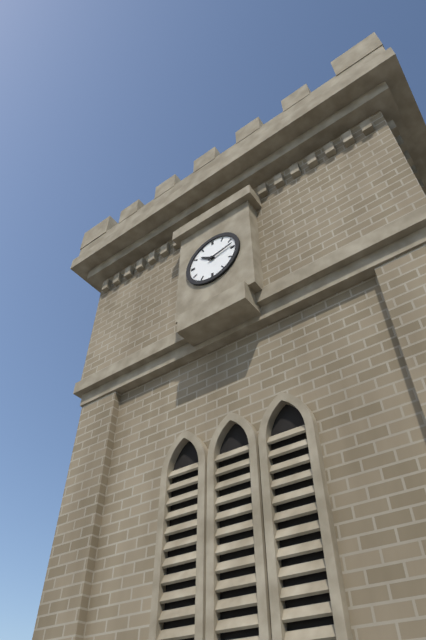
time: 10:13
